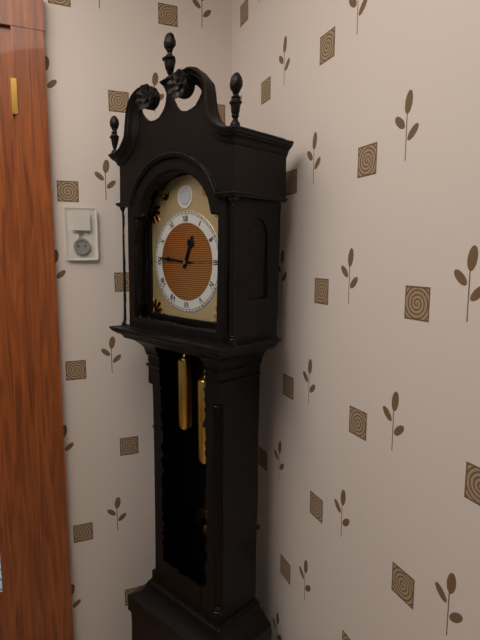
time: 12:46
